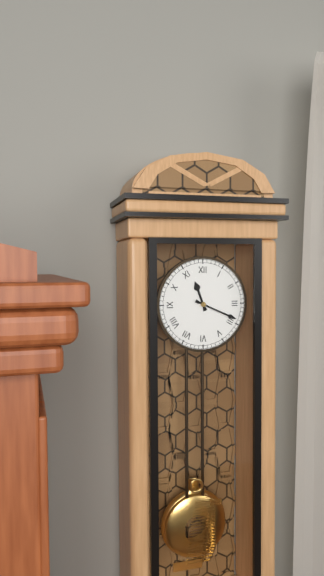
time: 11:19
